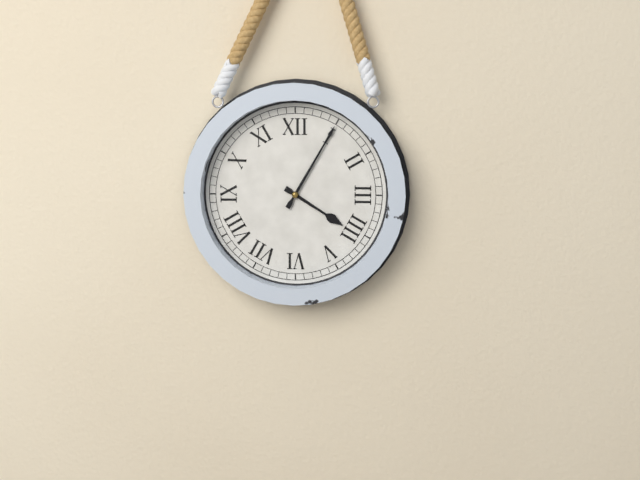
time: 4:05
